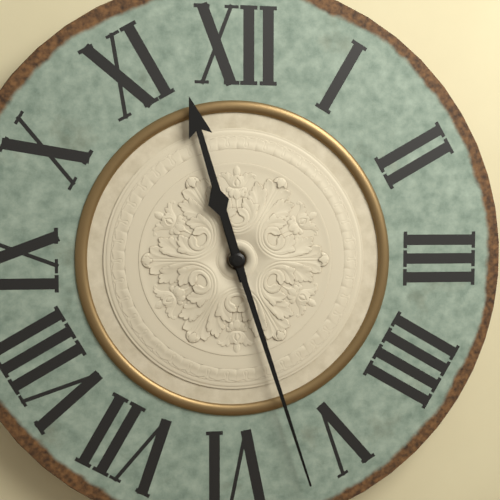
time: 11:27
